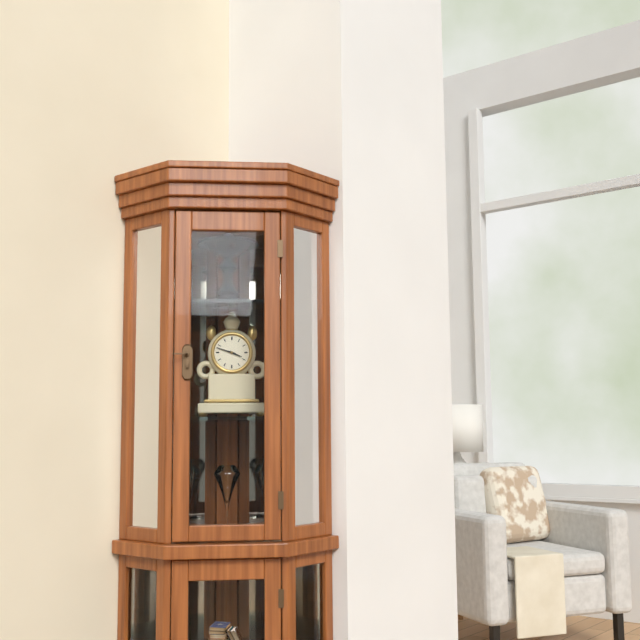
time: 3:48
